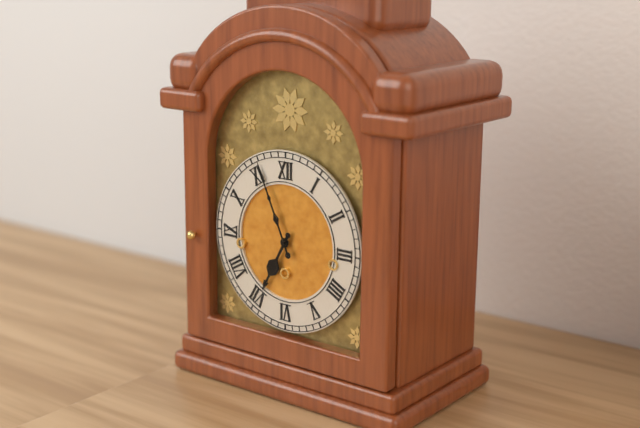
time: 6:56
